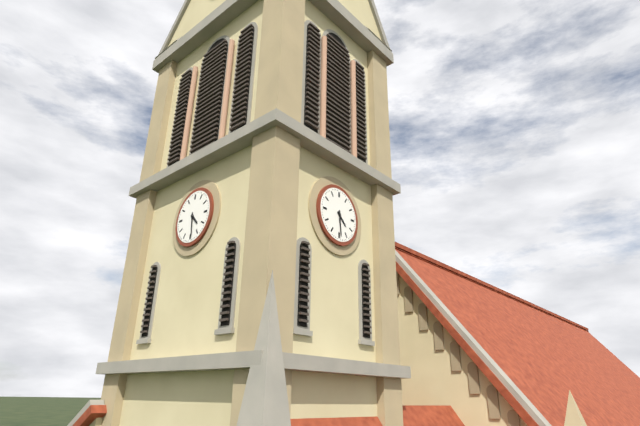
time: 4:29
